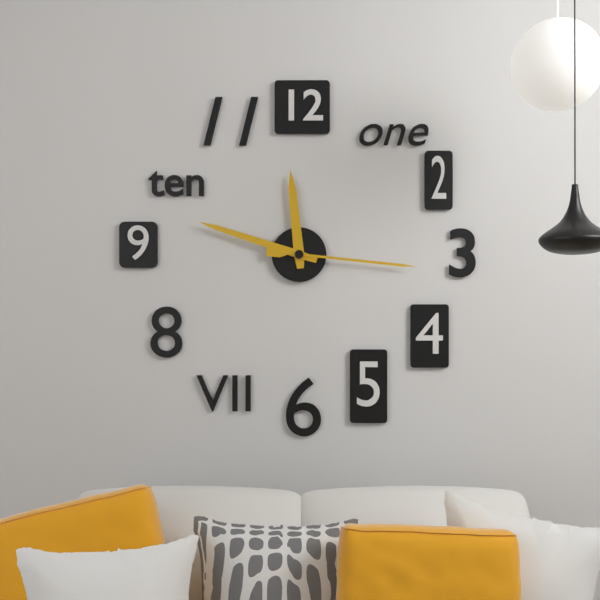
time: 11:48:16
